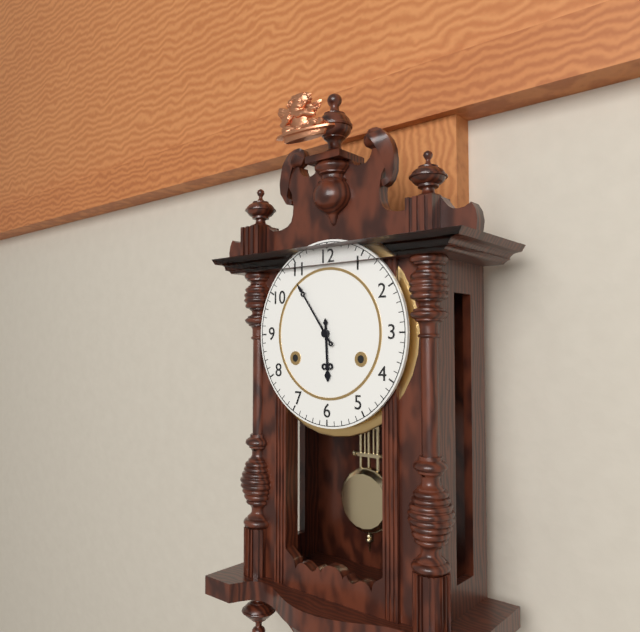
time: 5:54
